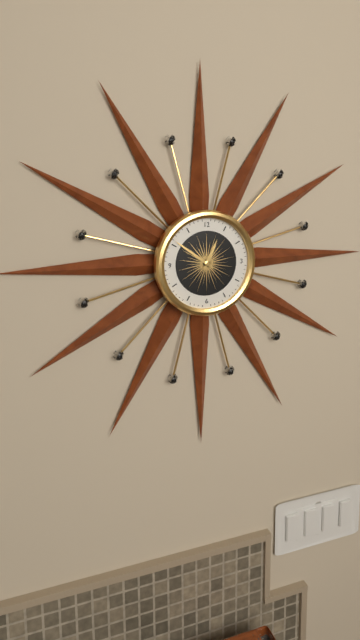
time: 12:51
